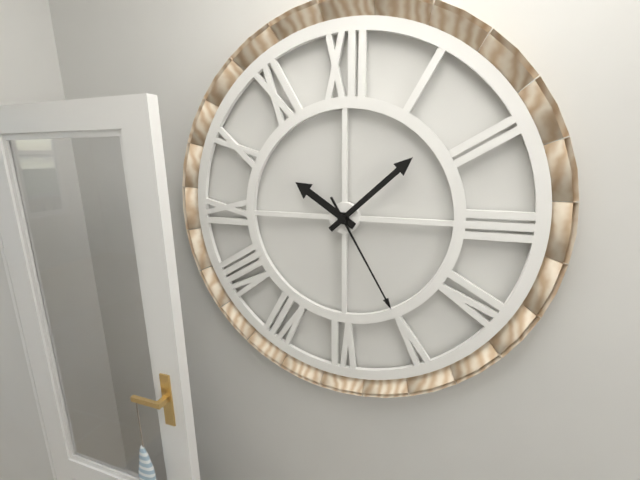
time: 10:08:25
